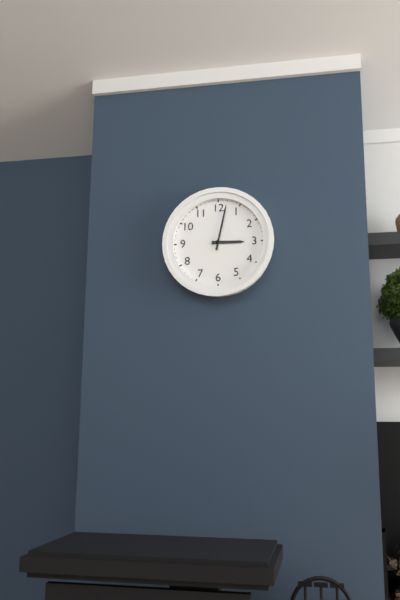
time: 3:02
